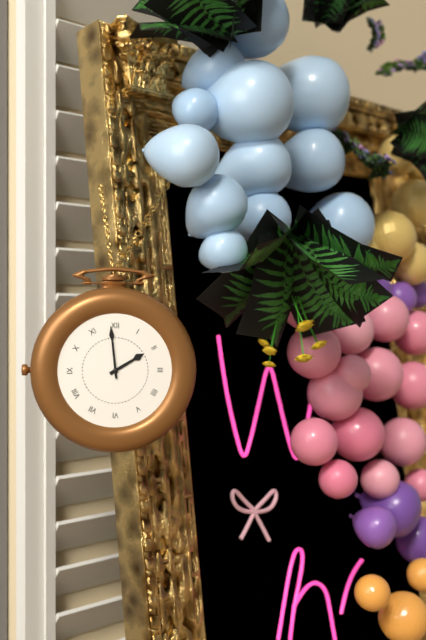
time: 1:59
